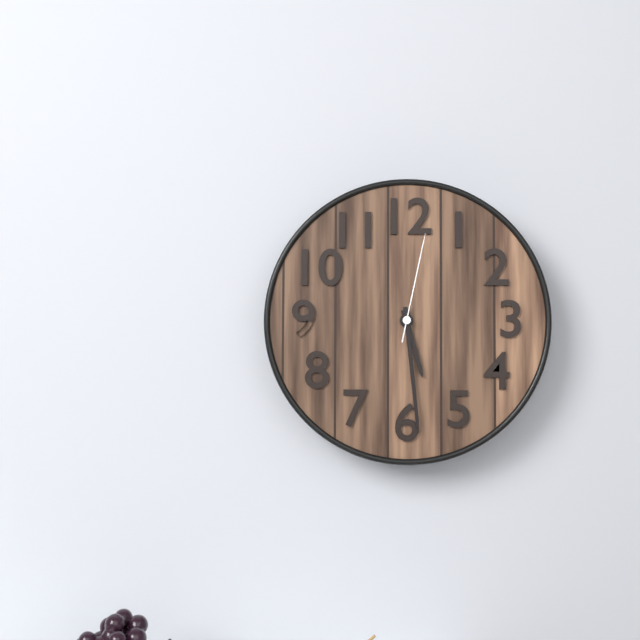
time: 5:29:02
